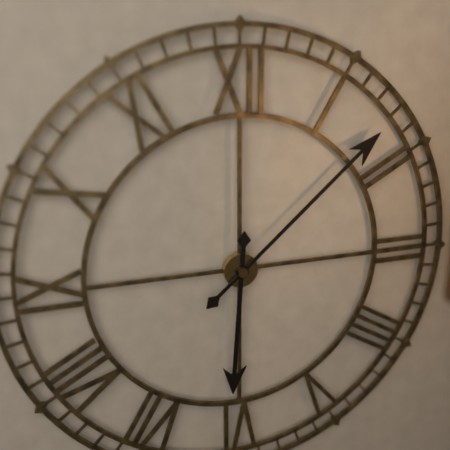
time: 6:08
